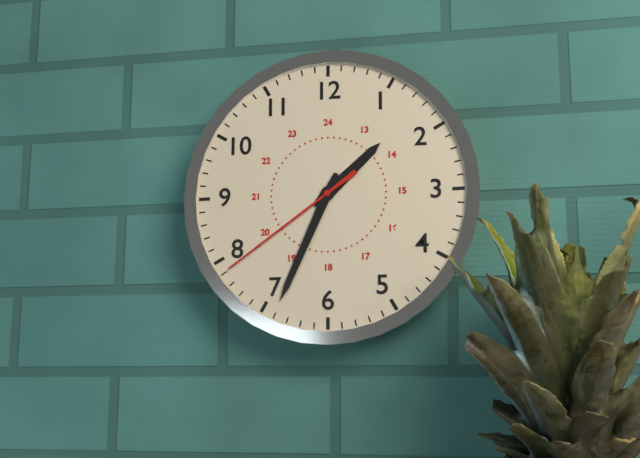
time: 1:34:39
